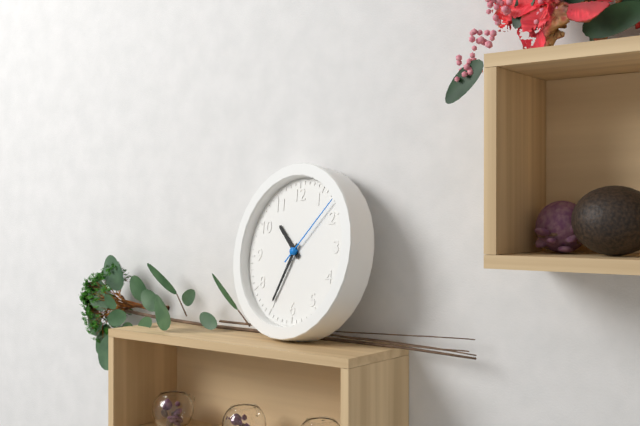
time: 10:35:08
